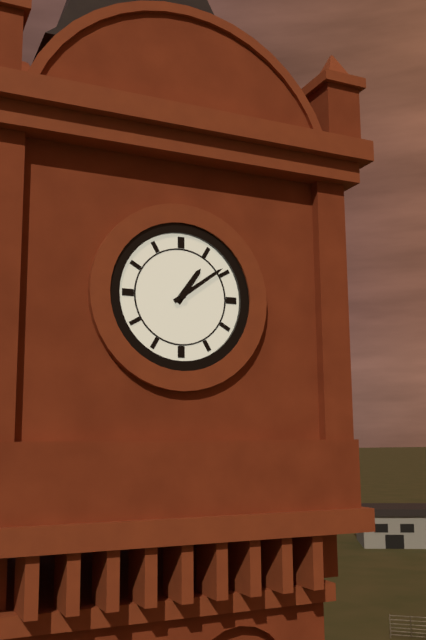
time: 1:09
